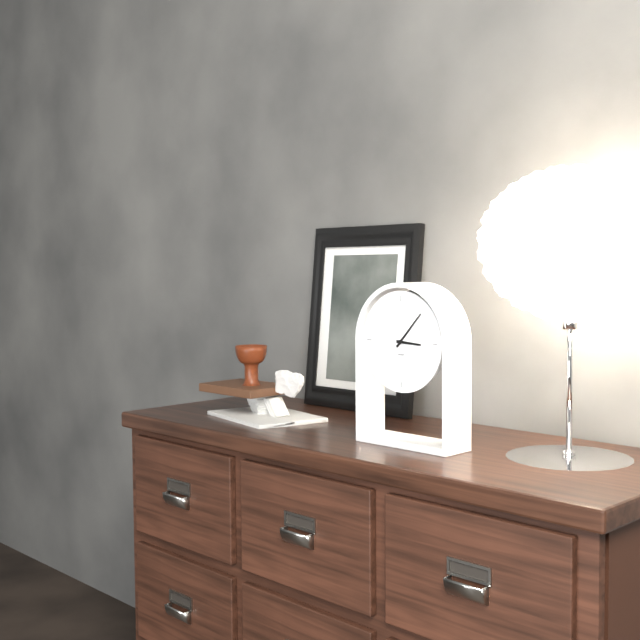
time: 3:07
